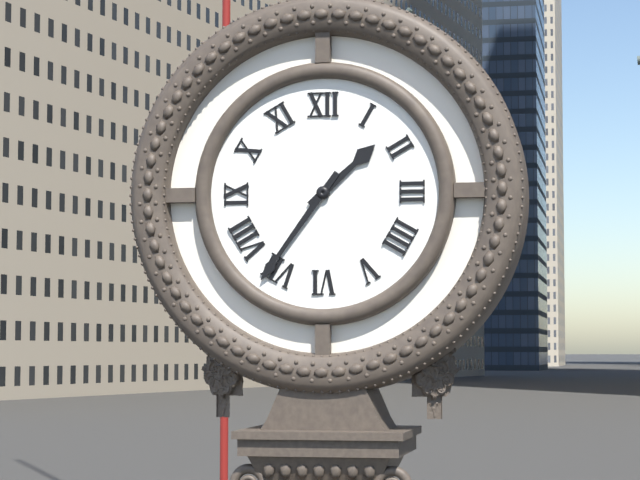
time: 1:36
